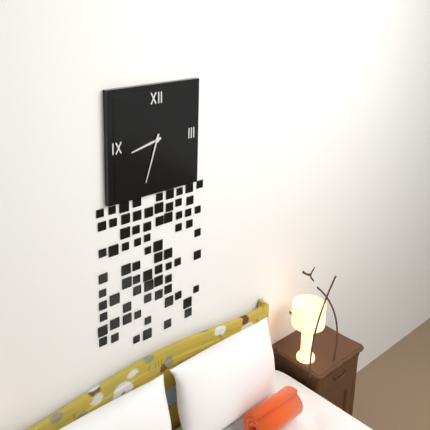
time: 8:33
